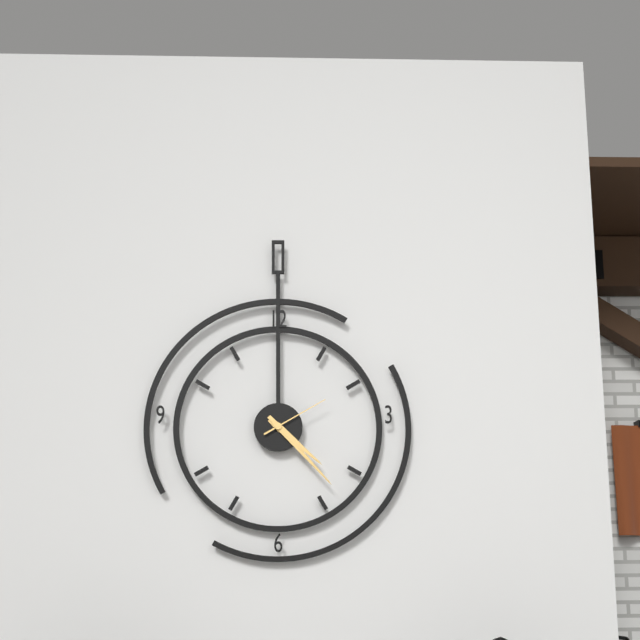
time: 4:23:10
